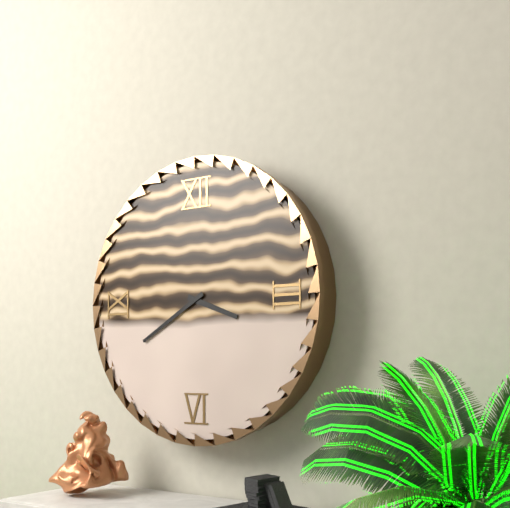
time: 3:40
